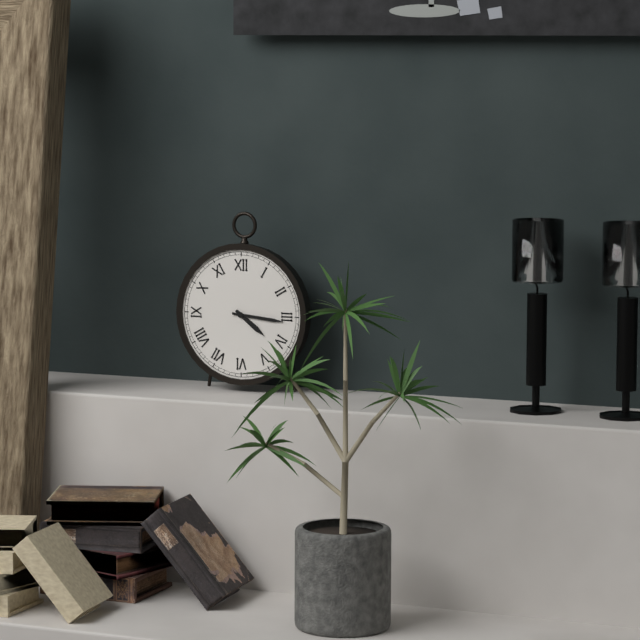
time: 4:16
